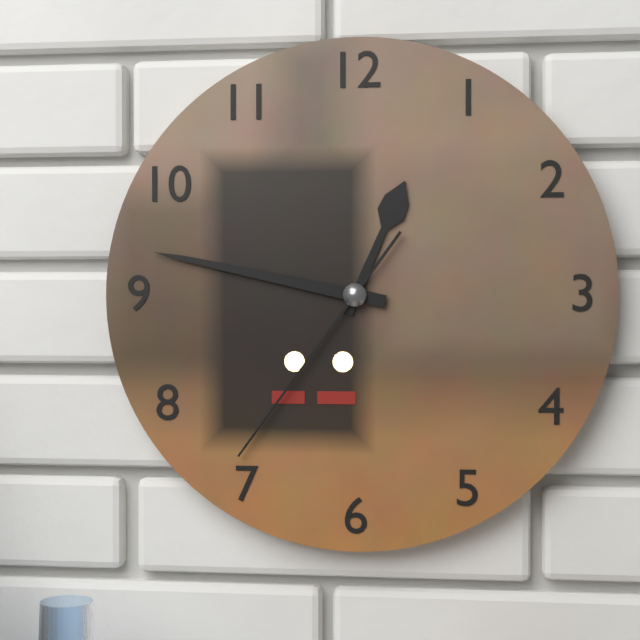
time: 12:47:36
